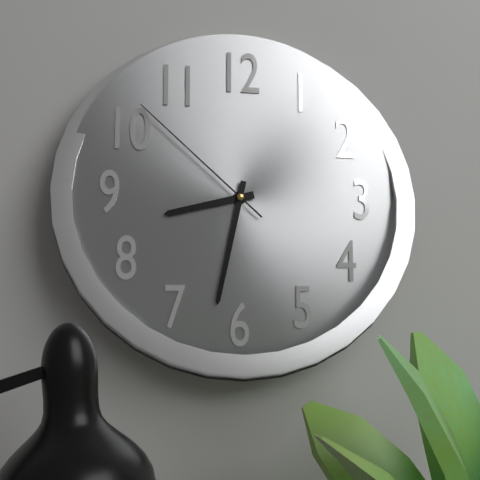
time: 8:32:52
